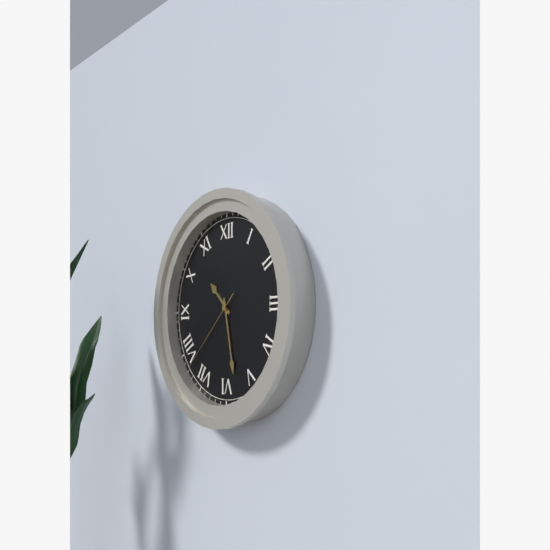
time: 10:28:38
